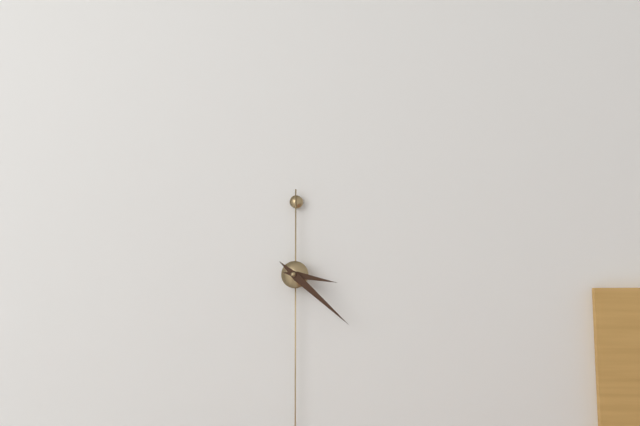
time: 3:22
